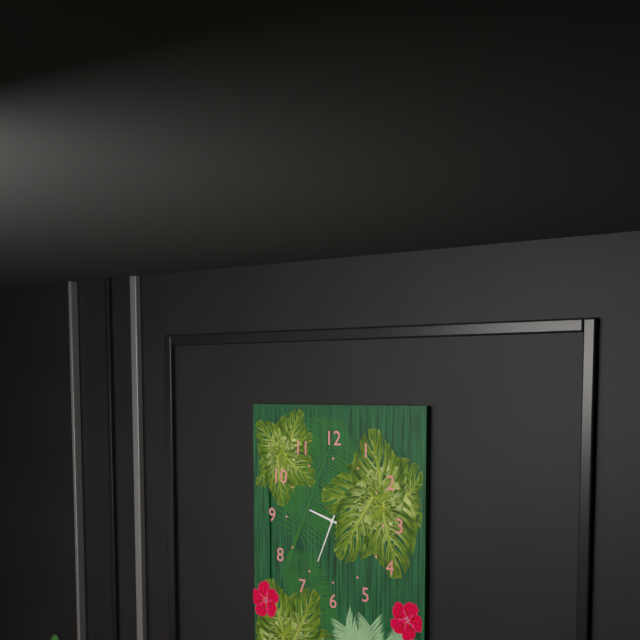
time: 9:34
